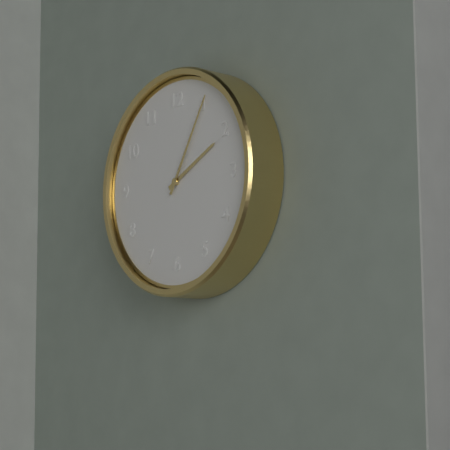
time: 2:05
